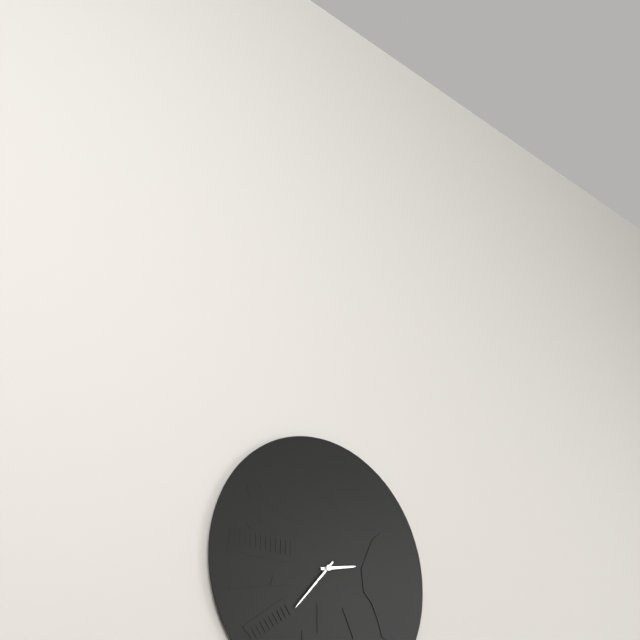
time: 2:37
